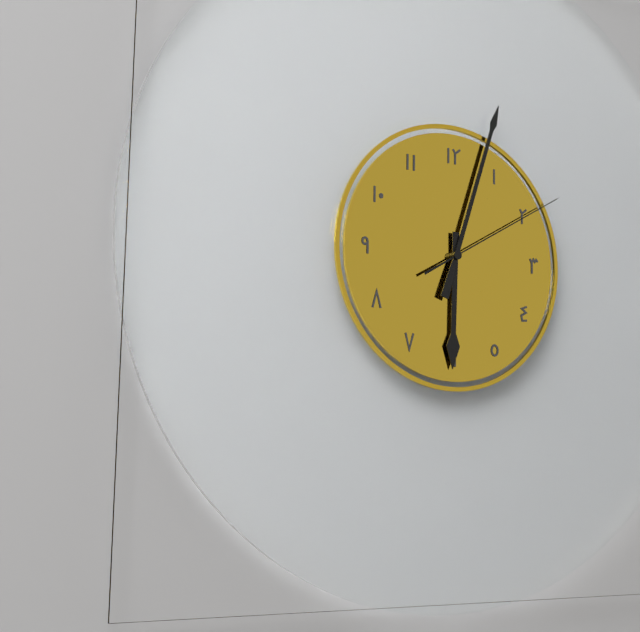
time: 6:03:10
